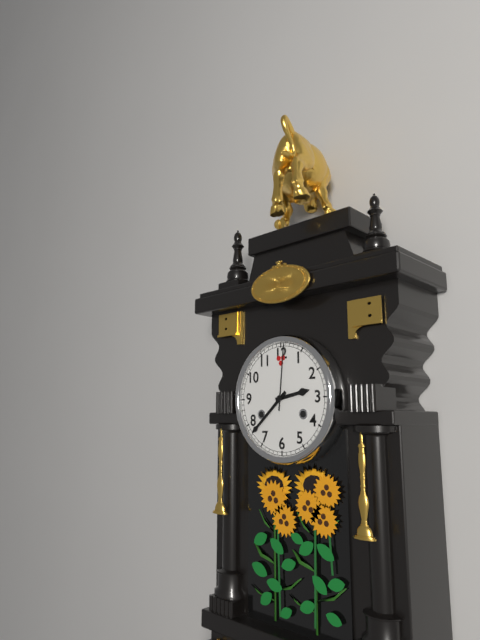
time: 2:38:01
